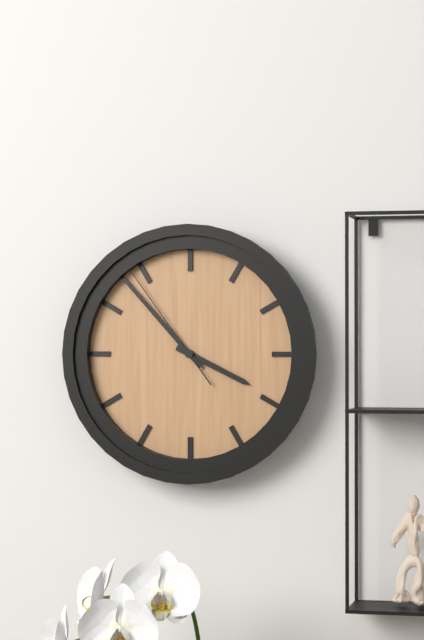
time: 3:53:54
